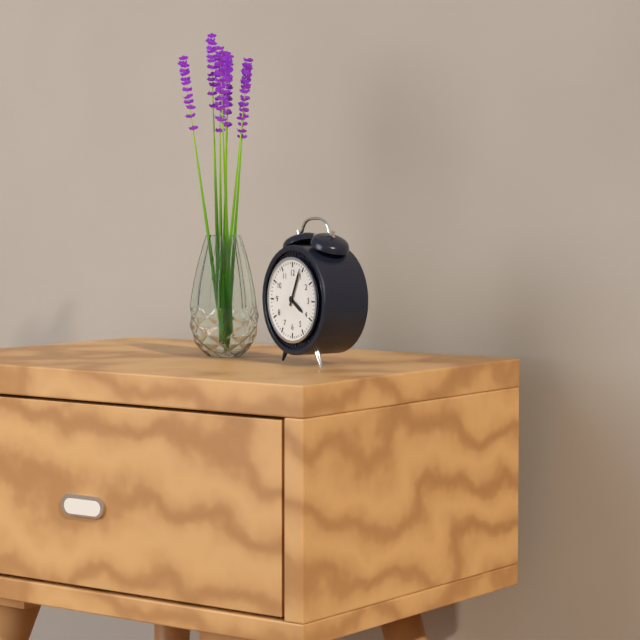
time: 4:04
